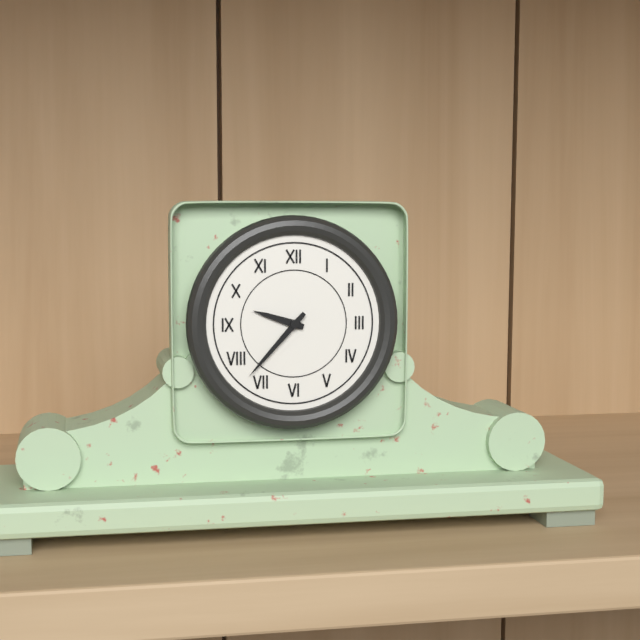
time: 9:37
